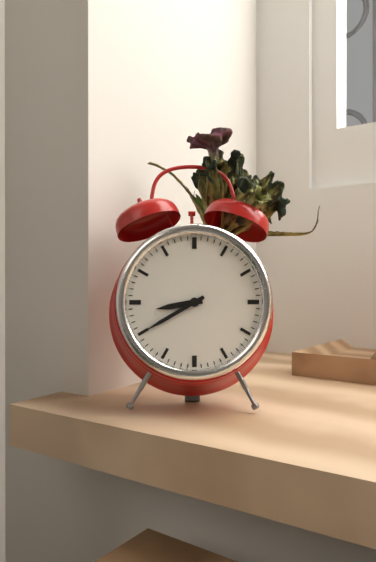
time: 8:40
